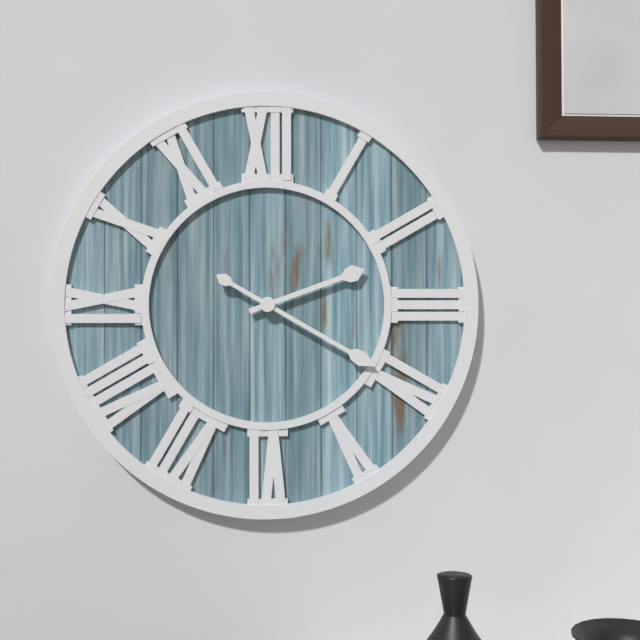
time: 2:20
